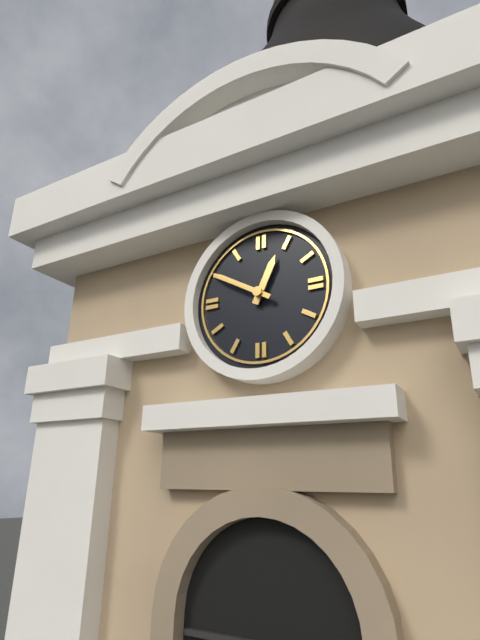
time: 12:50
